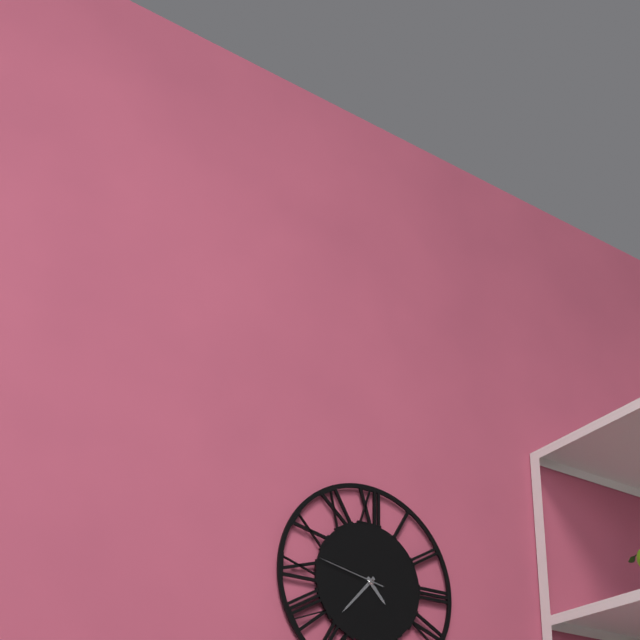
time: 4:37:47
